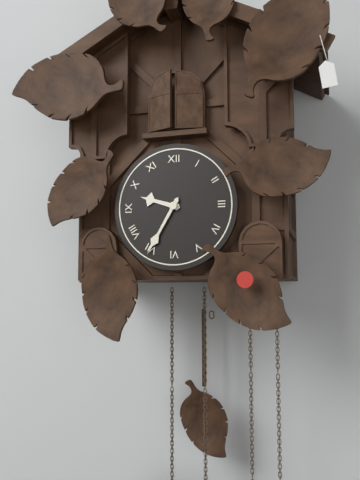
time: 9:35
